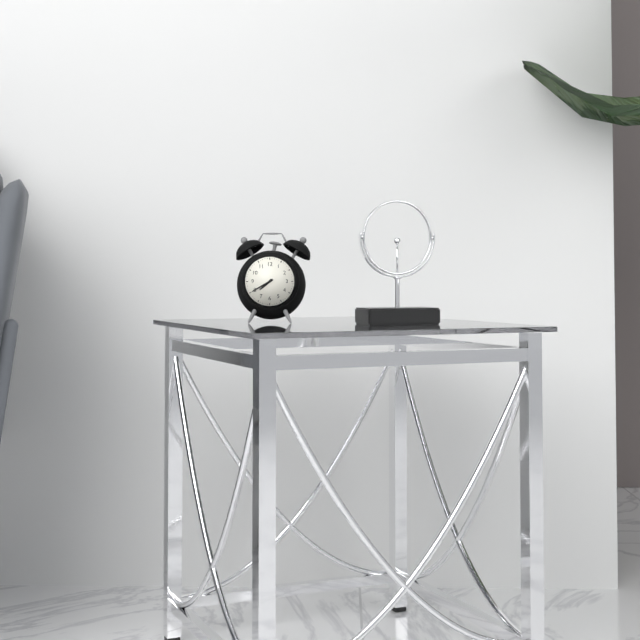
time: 7:40
